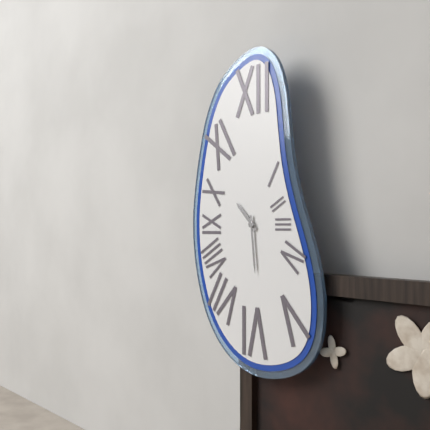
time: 10:29
